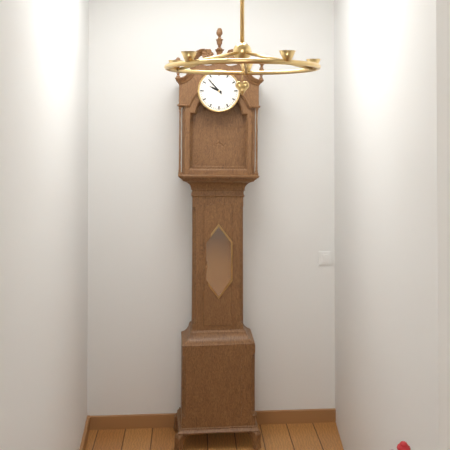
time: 9:53
